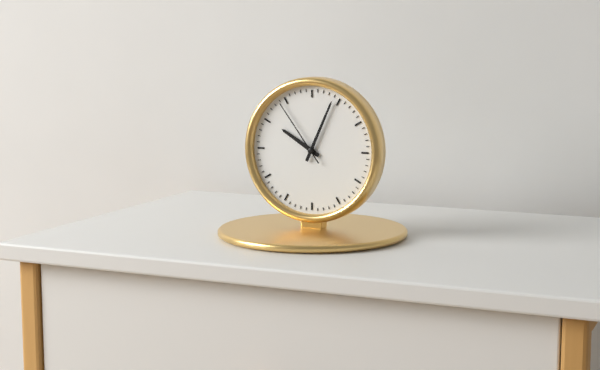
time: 10:04:54
